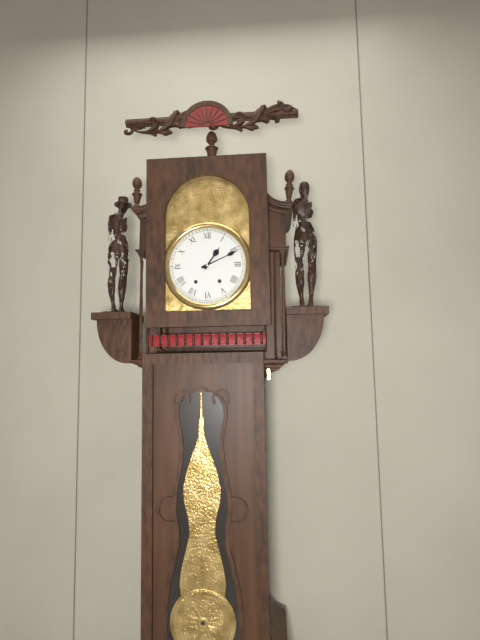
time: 1:11
